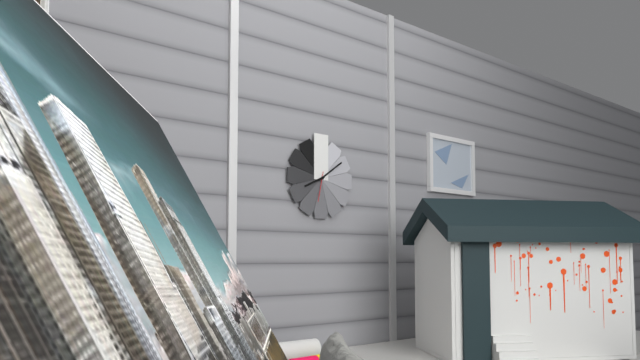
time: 8:09
